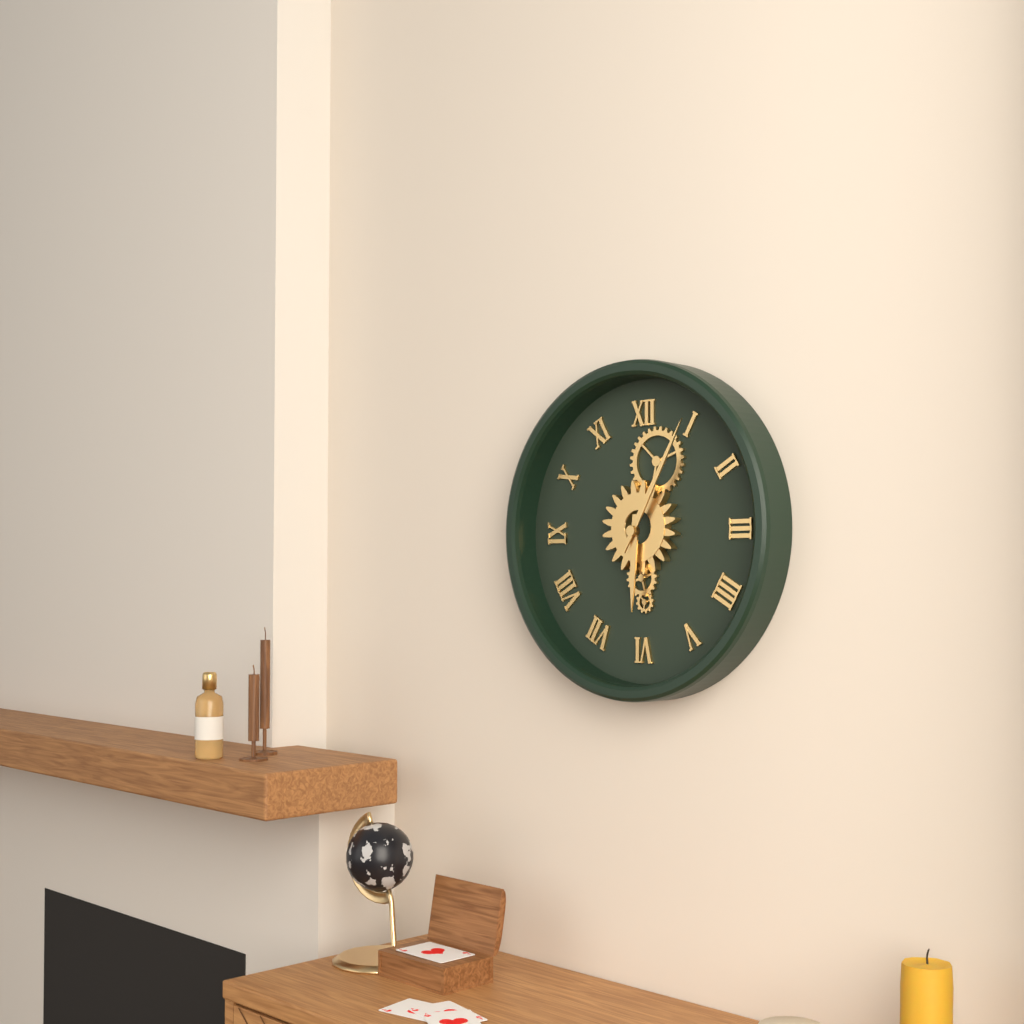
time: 6:05
